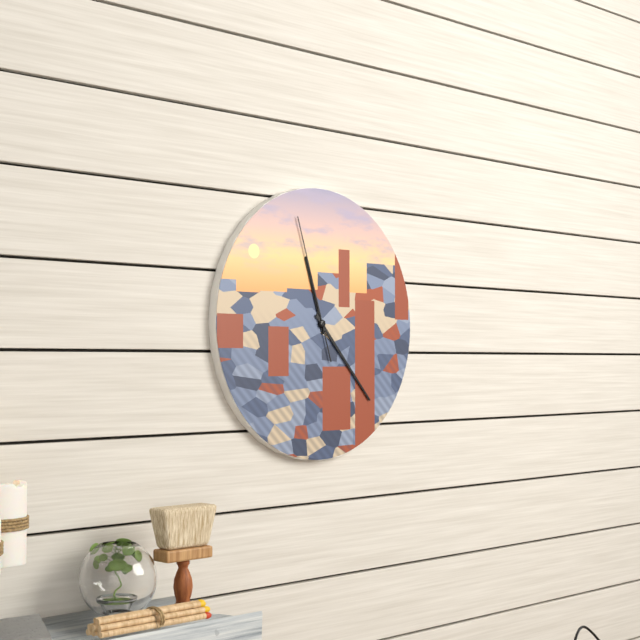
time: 11:23:57
